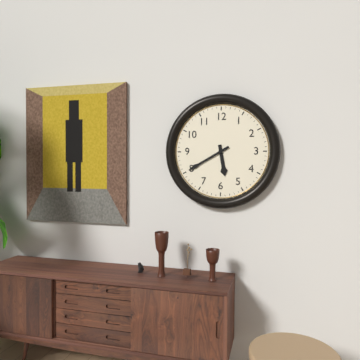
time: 5:40
